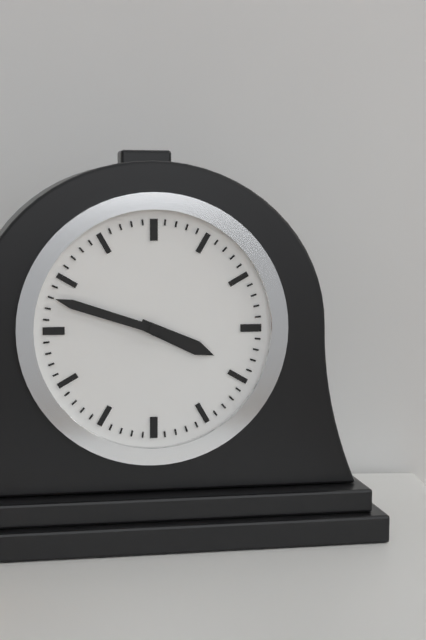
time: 3:48
